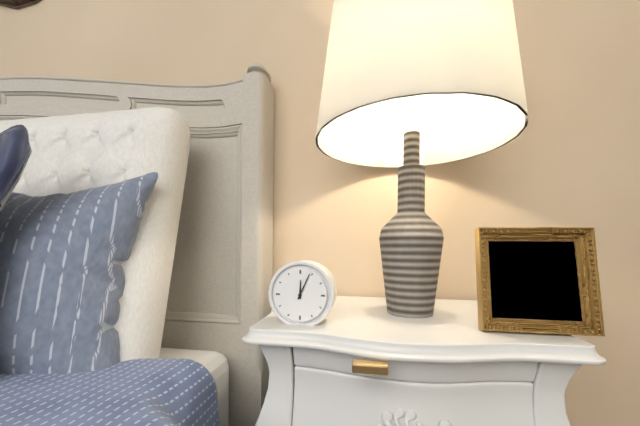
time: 12:04
